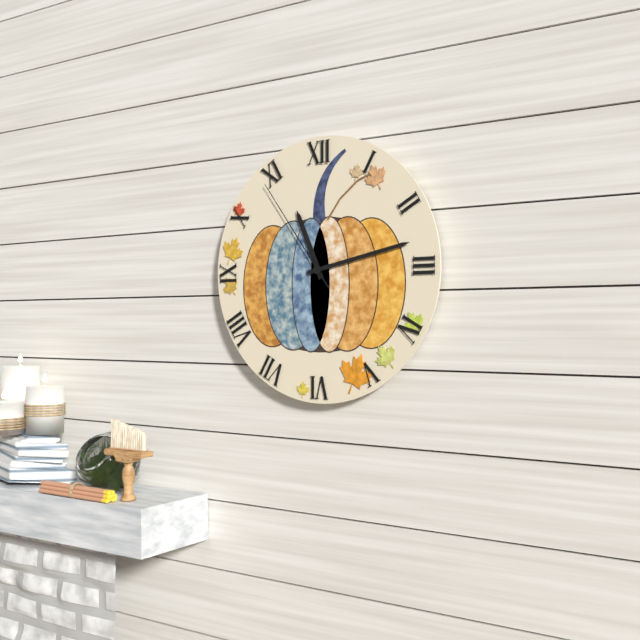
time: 11:13:54
